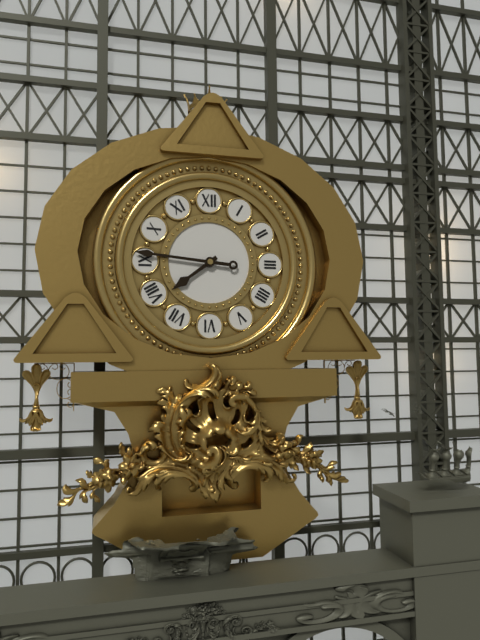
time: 7:46
